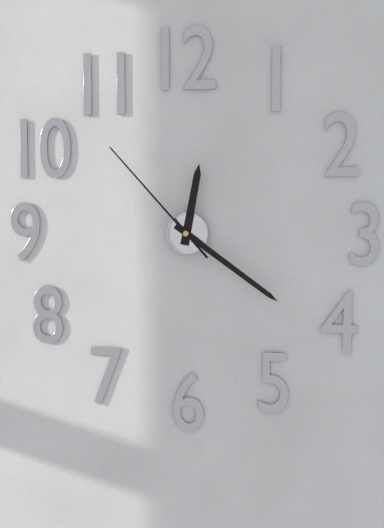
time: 12:21:53
